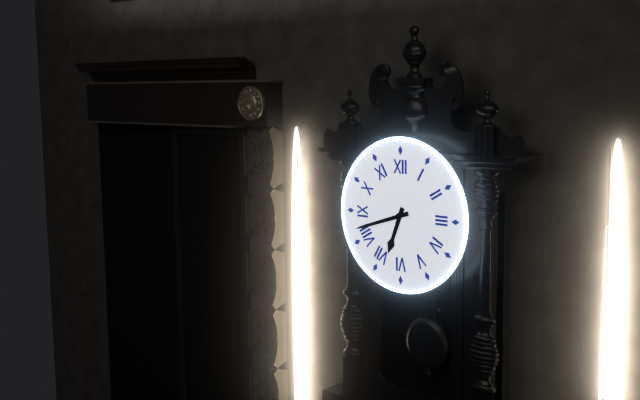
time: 6:42
